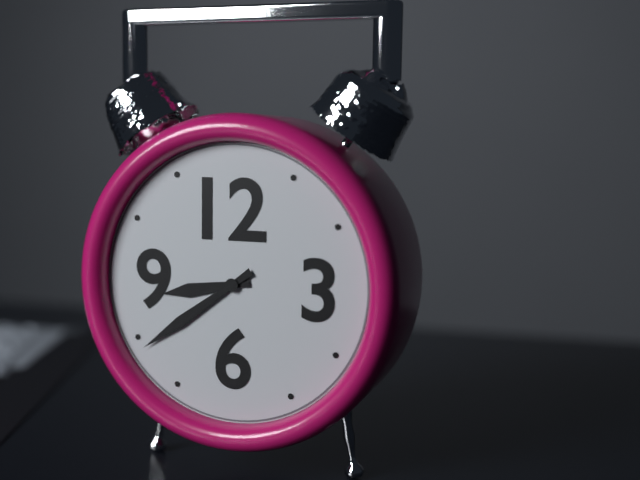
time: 8:39
